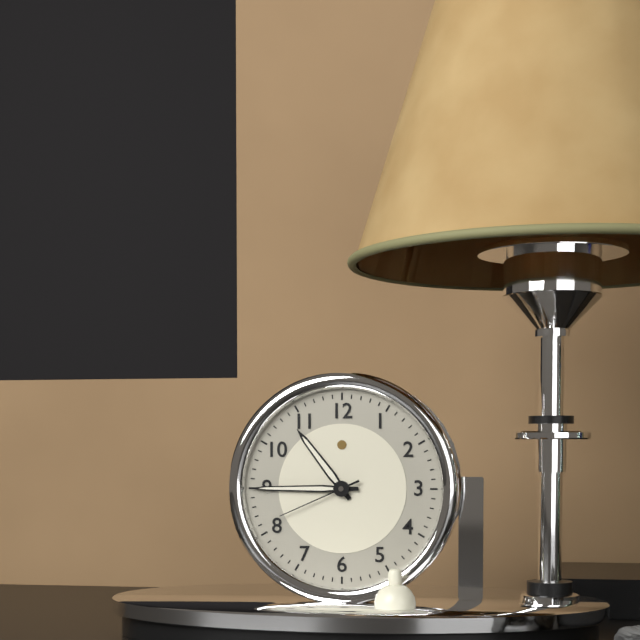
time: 10:45:41
